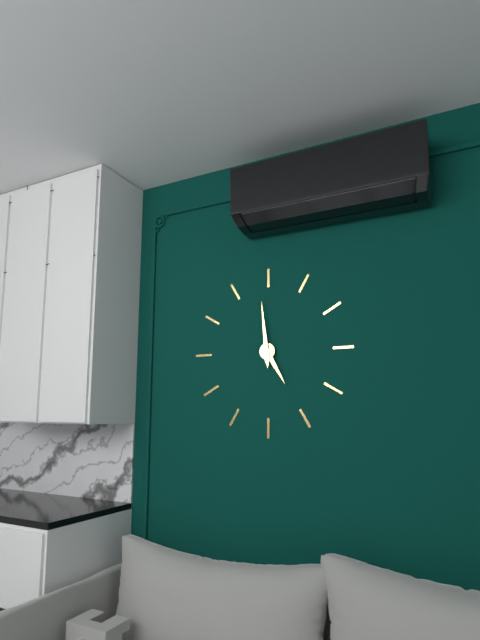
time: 4:59
